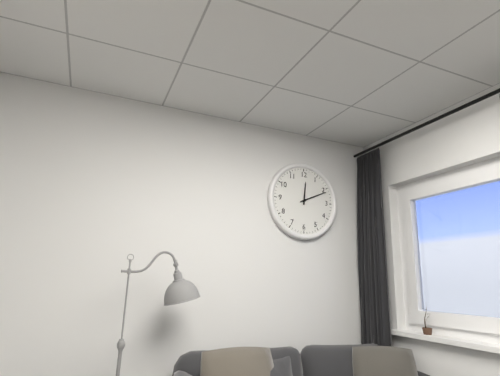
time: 12:11
